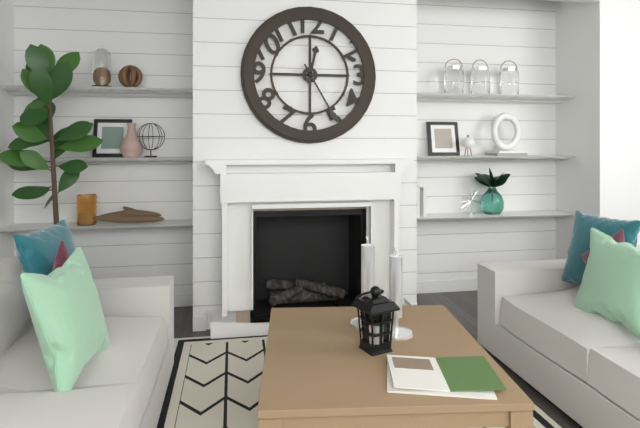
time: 12:25
